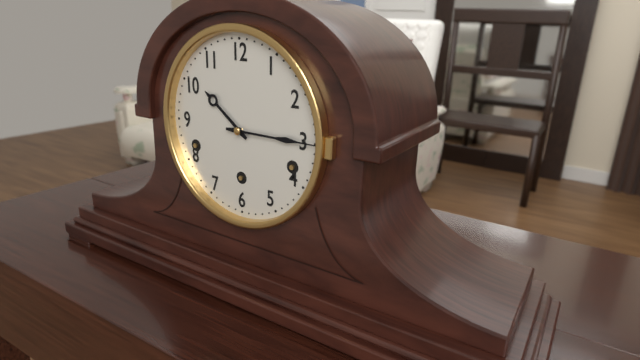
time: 10:15
